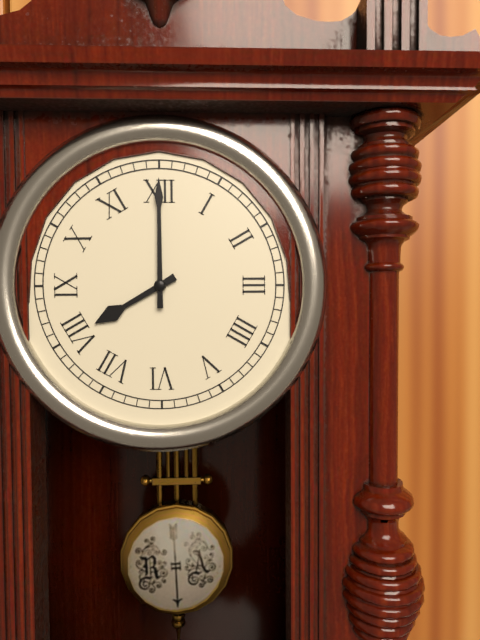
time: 8:00
